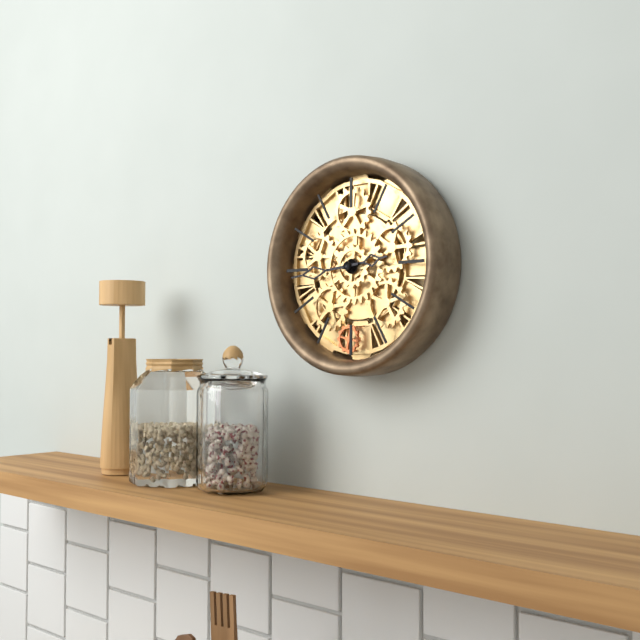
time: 2:44
